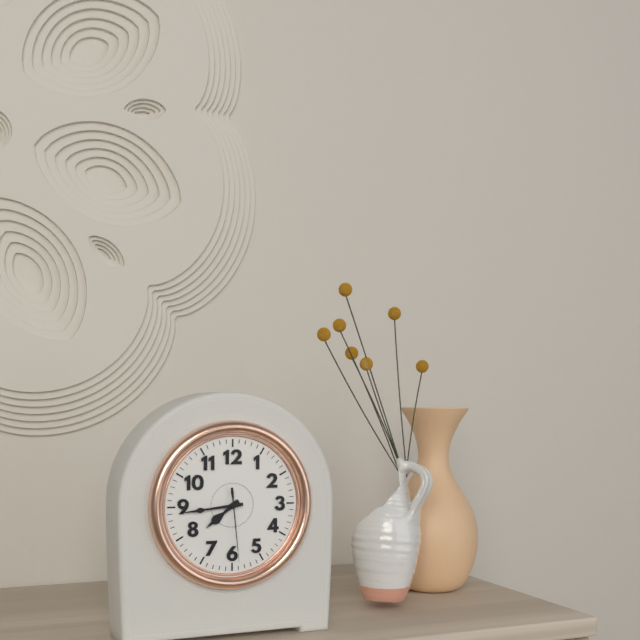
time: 7:44:29
